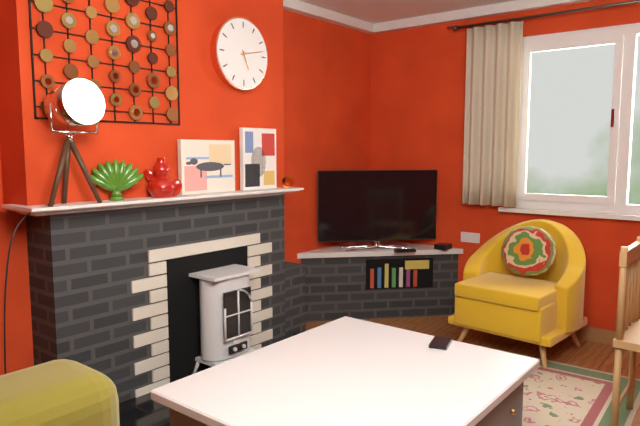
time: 5:13
